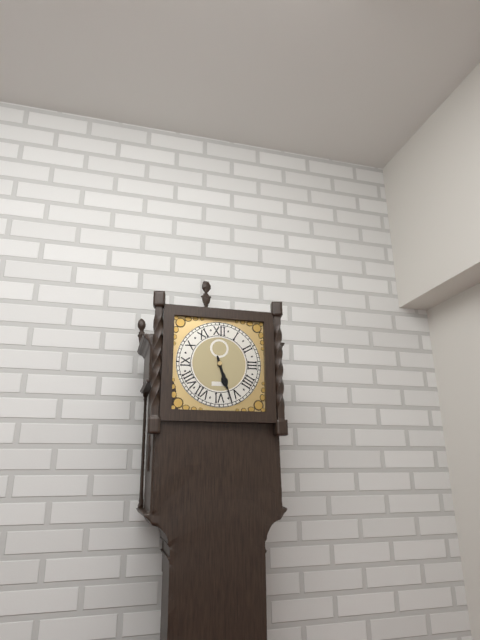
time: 5:27
